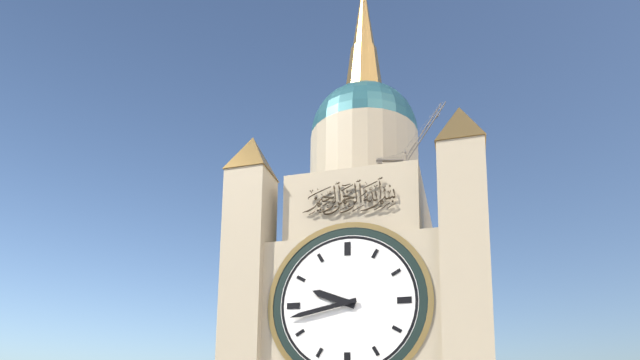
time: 9:43
